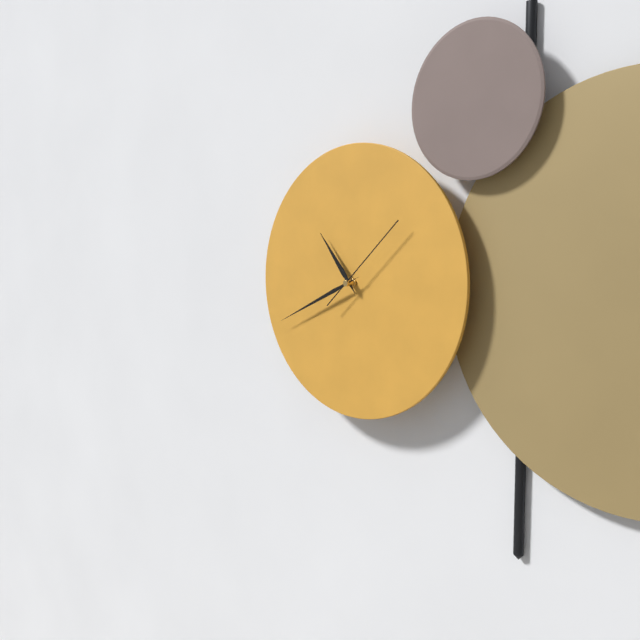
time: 10:41:08
